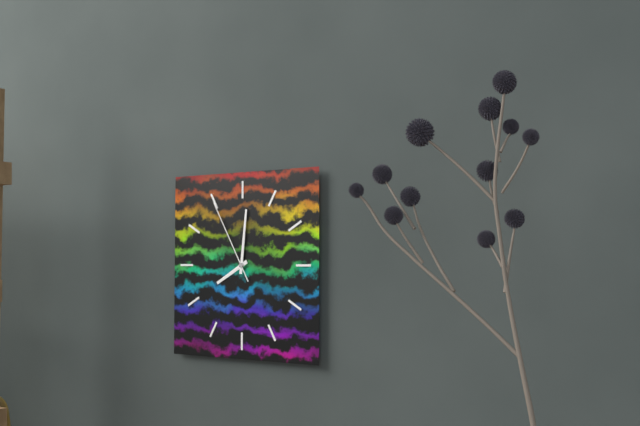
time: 8:01:55
